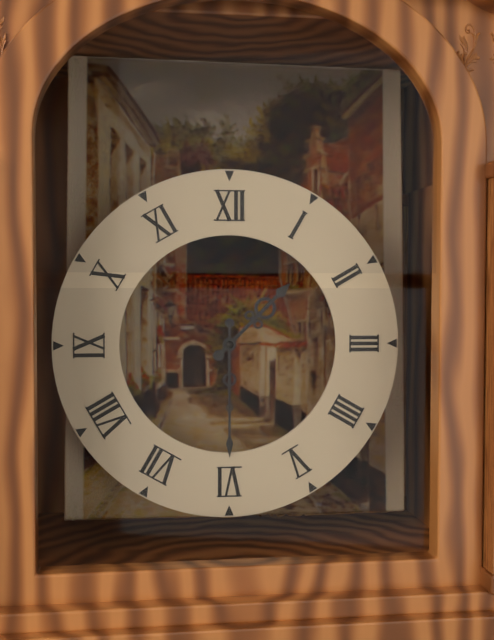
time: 1:30
